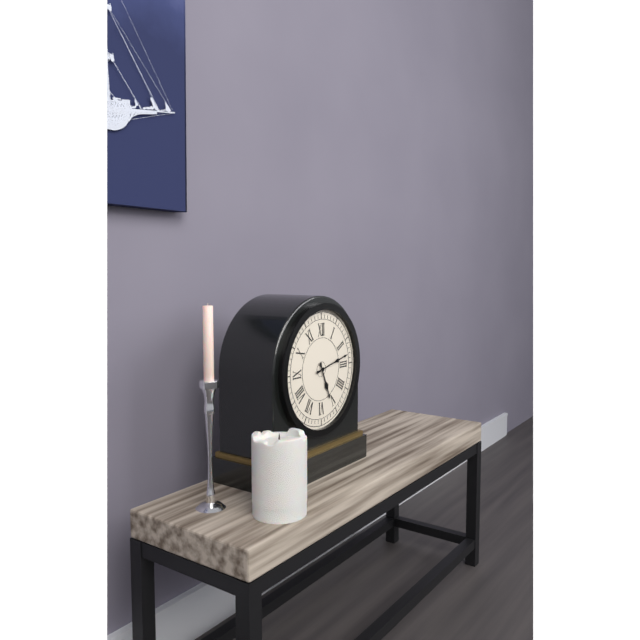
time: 5:13
